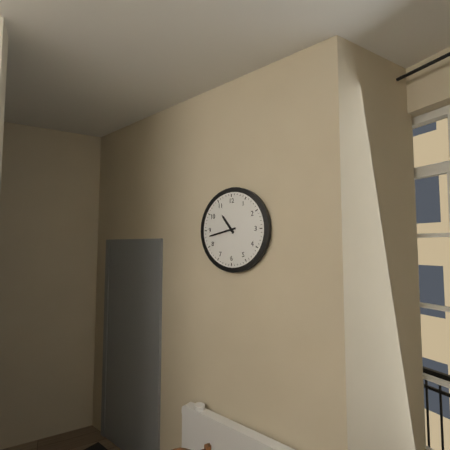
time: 10:43
